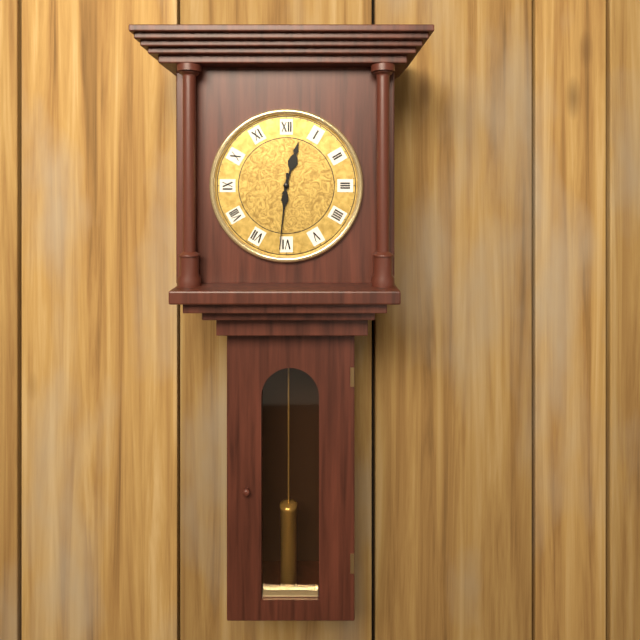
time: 12:31
